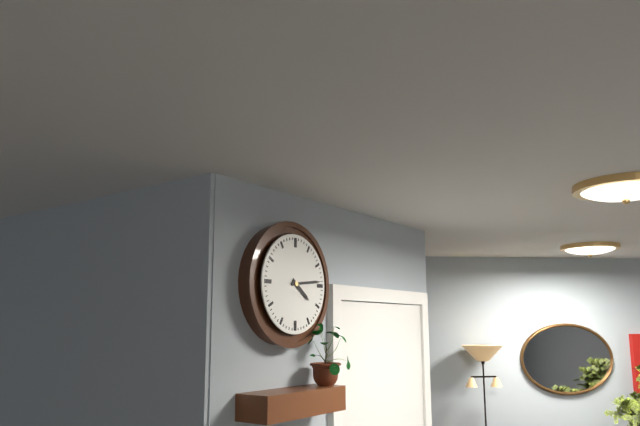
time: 4:14
